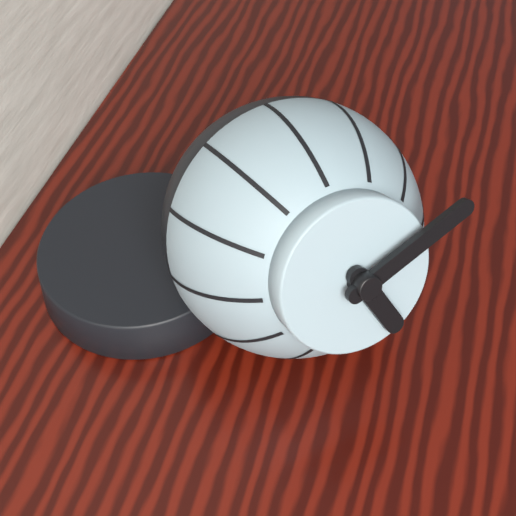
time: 5:12
